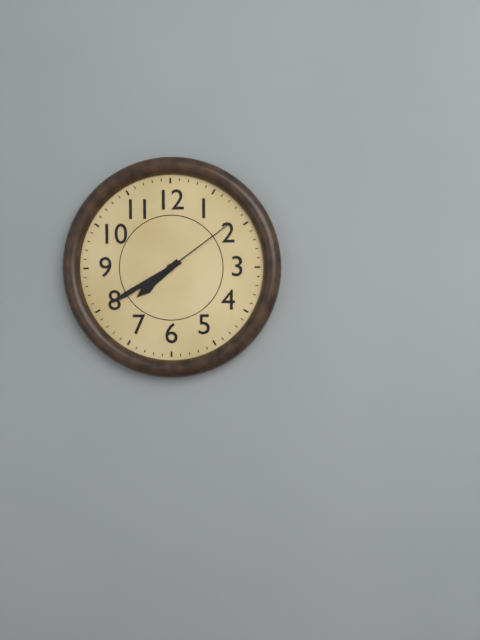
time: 7:40:09
